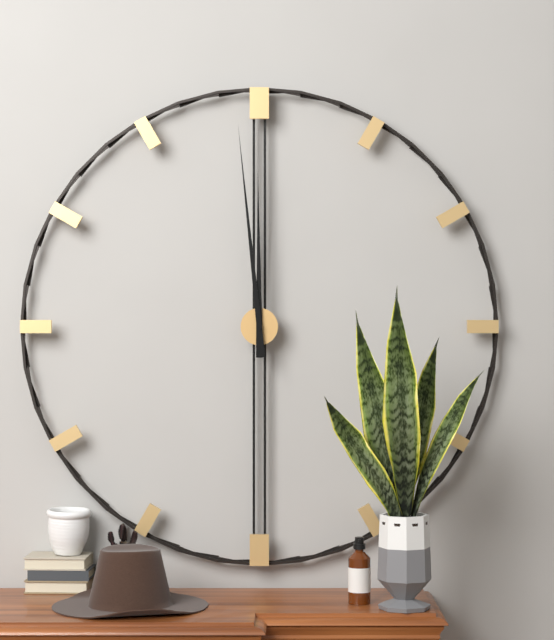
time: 11:59
